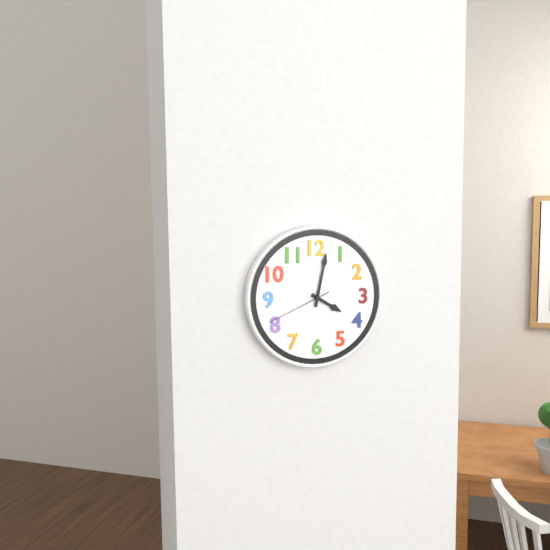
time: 4:02:41
